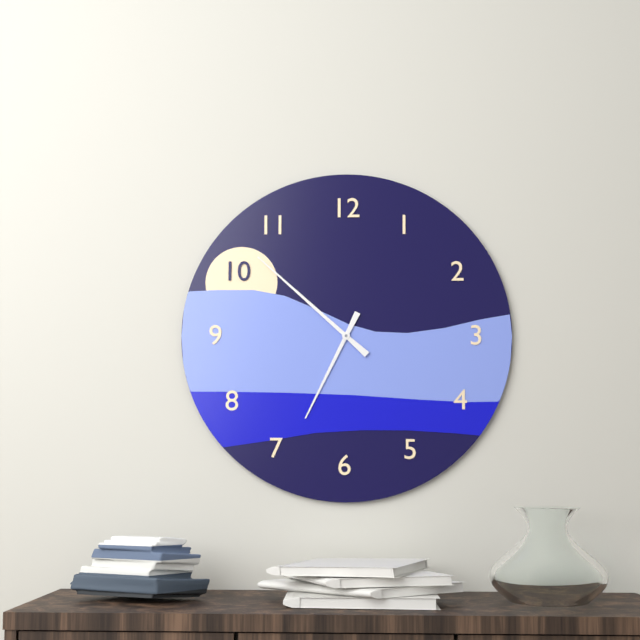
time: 6:52
